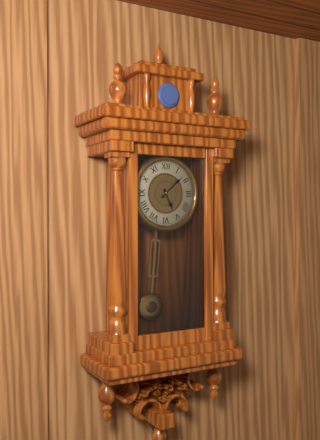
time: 5:08
